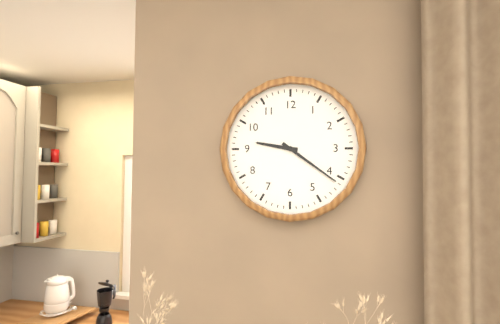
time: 9:21
